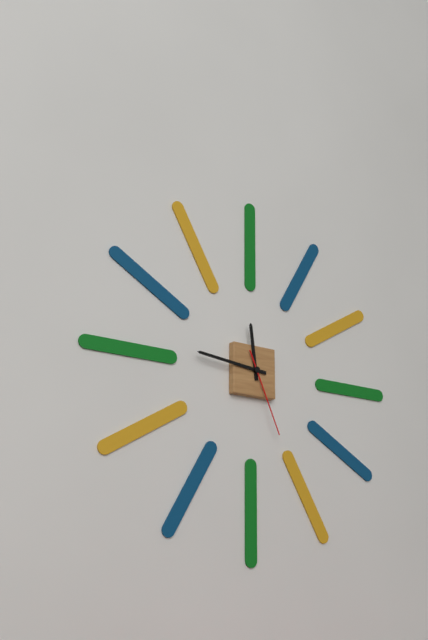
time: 11:46:26
